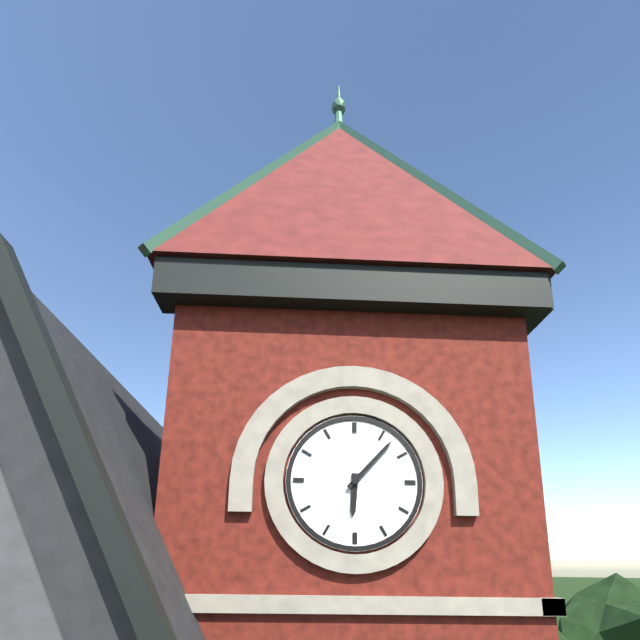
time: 6:07
